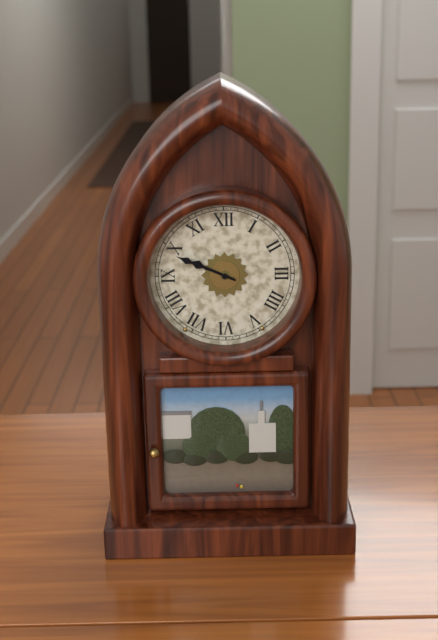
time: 9:49
